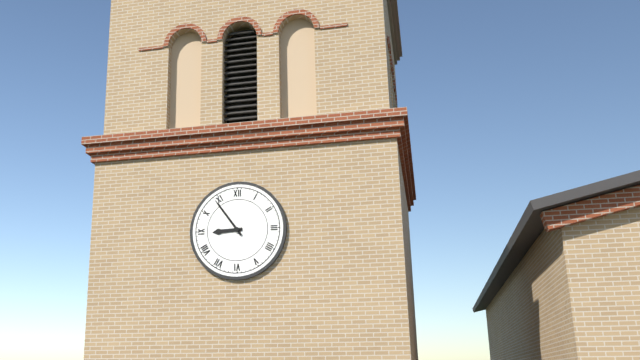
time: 8:54
